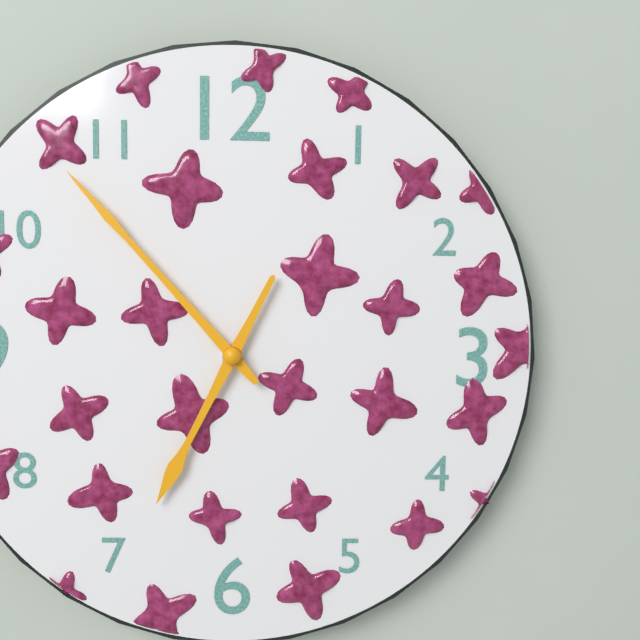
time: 6:53
